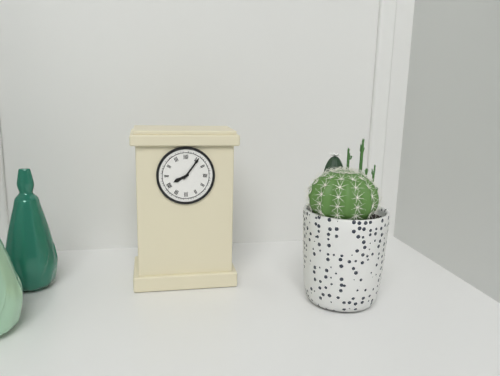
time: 8:06
